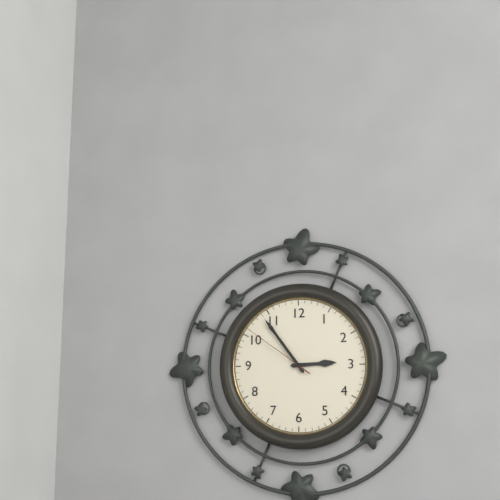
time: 2:54:51
